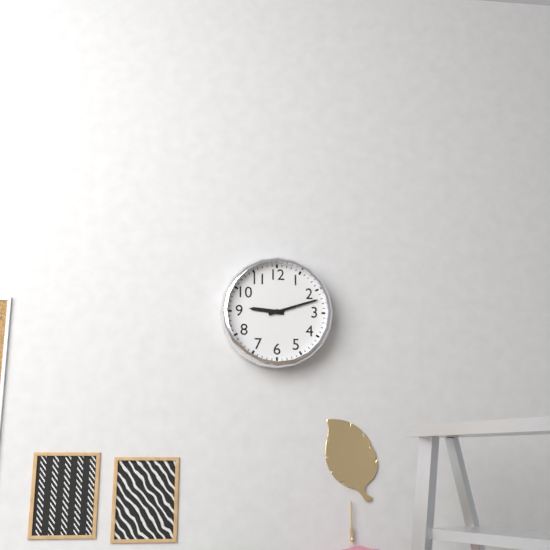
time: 9:12
